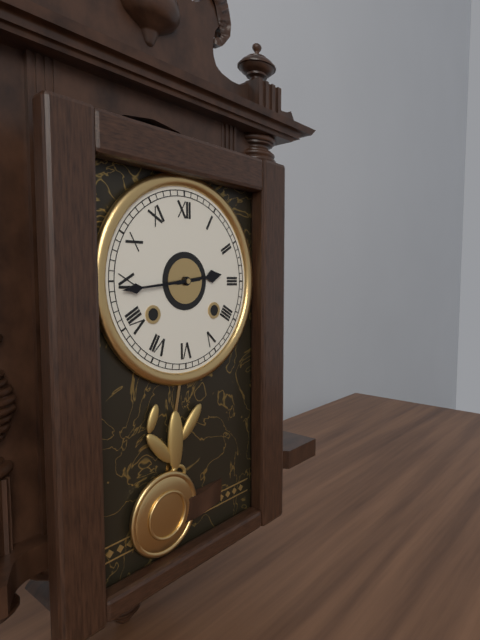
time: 2:44
